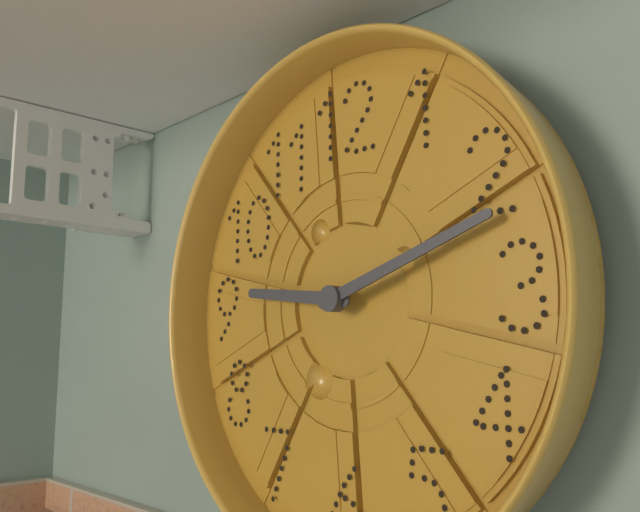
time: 9:12
